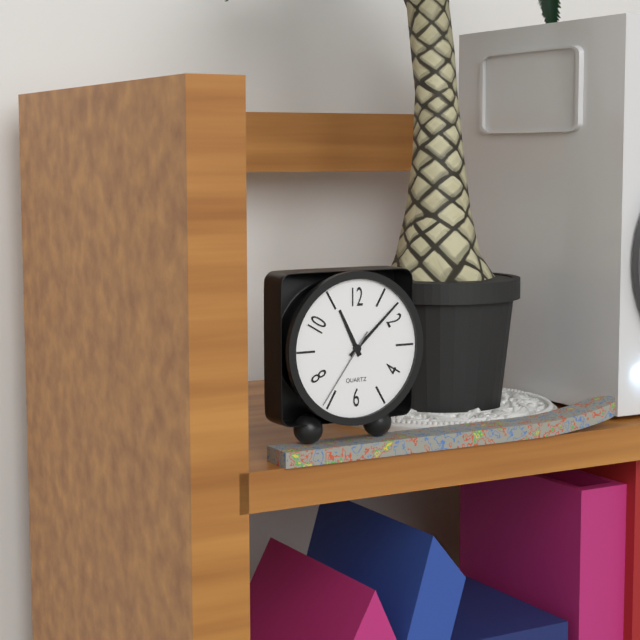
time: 11:08:36
